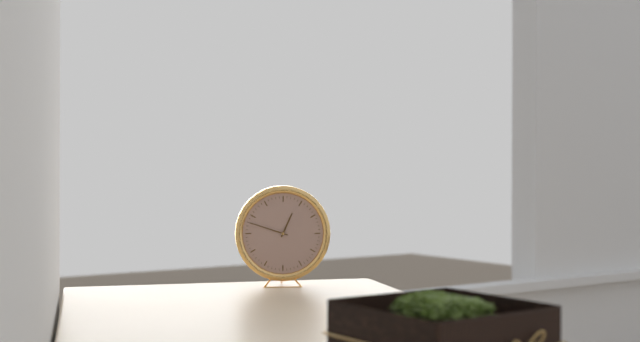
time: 12:48
